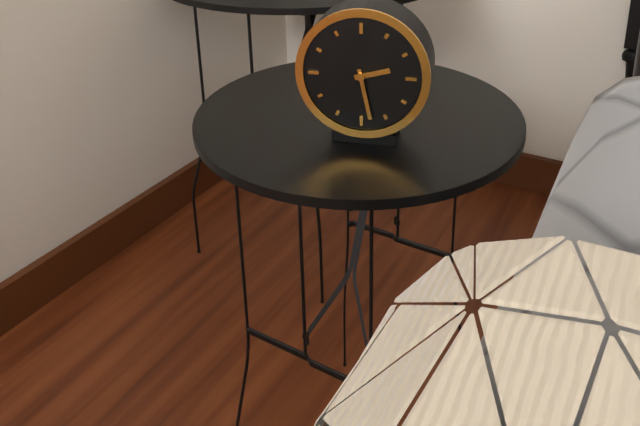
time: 2:28
